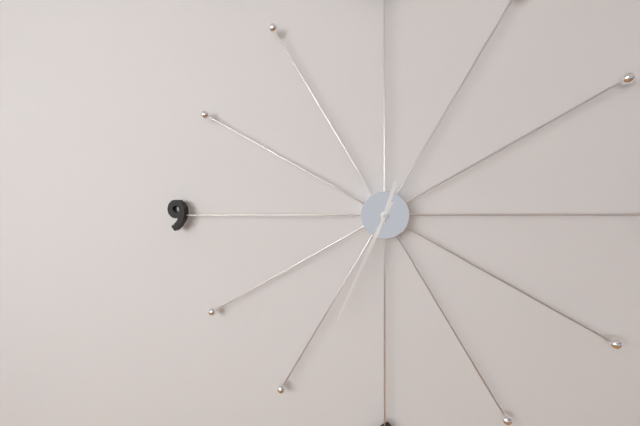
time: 12:34
